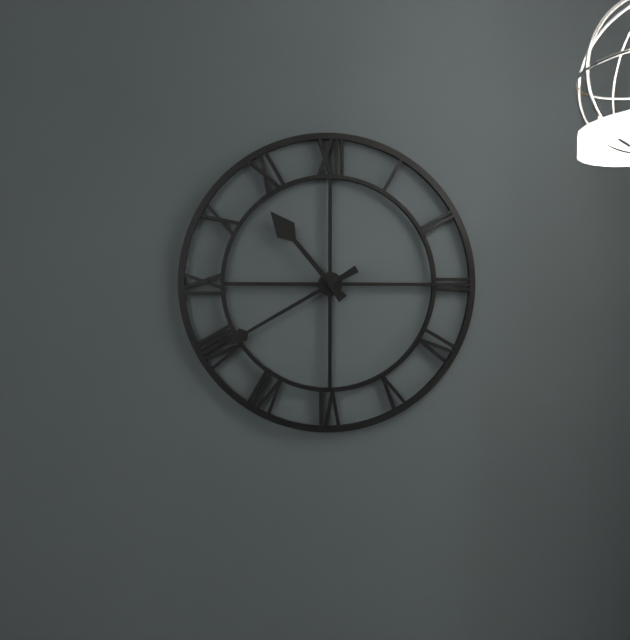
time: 10:40
